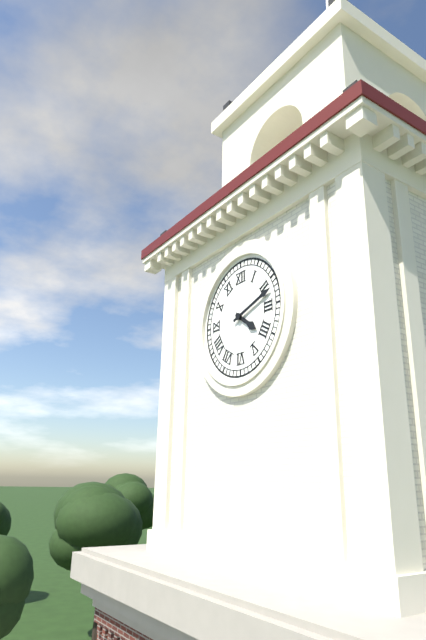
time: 4:12
